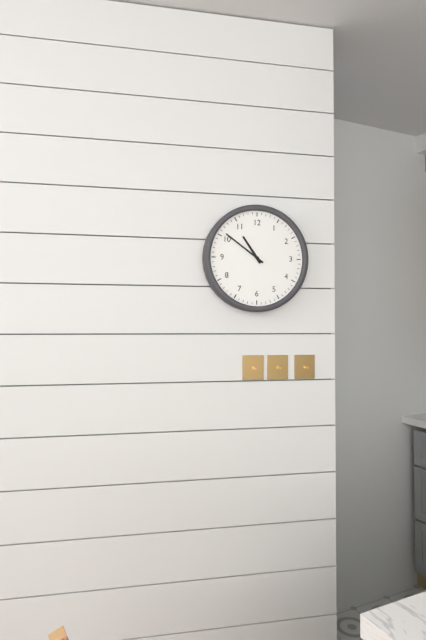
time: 10:51
